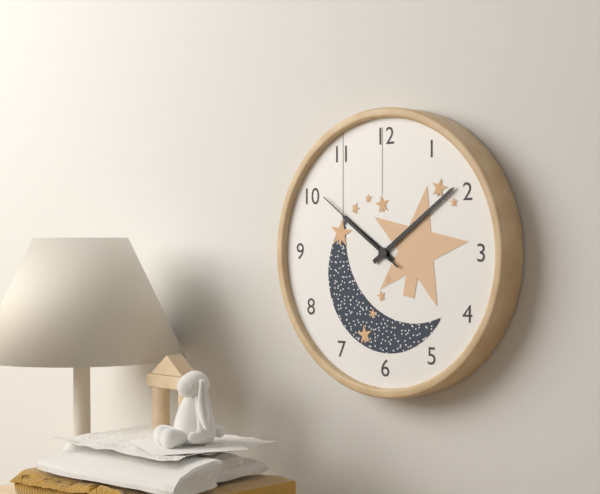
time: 10:09:51
